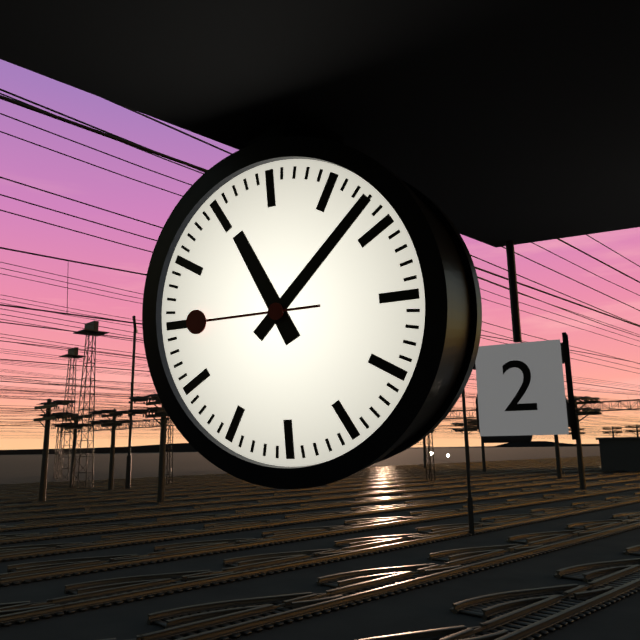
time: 11:08:45
